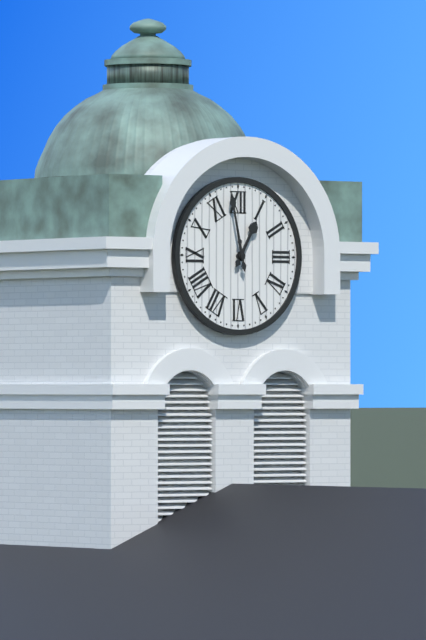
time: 12:58
